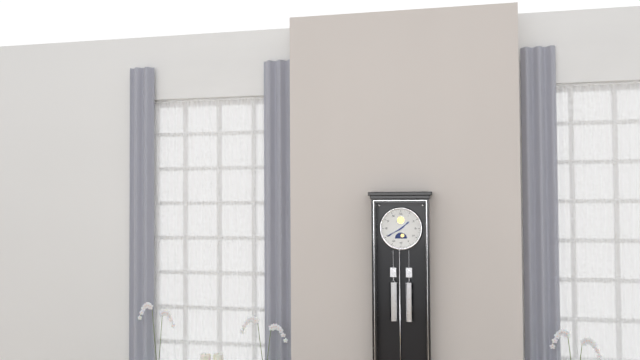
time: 1:40
